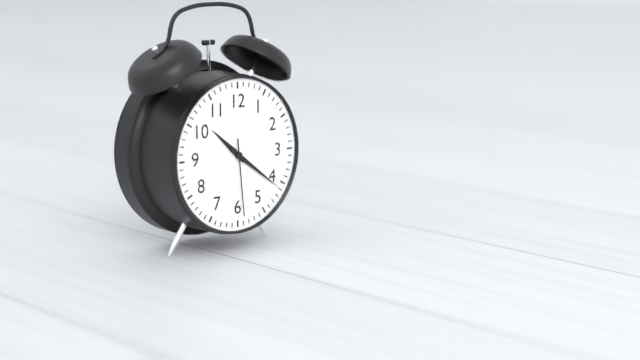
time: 10:21:29
